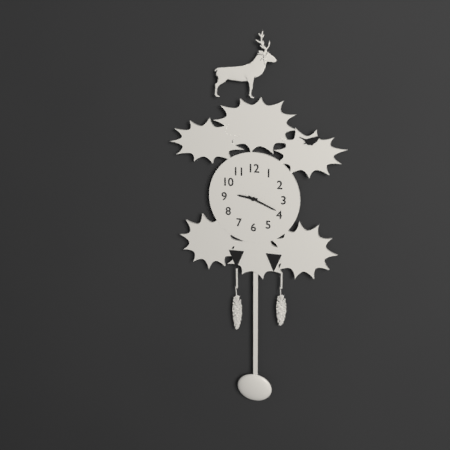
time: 9:19
